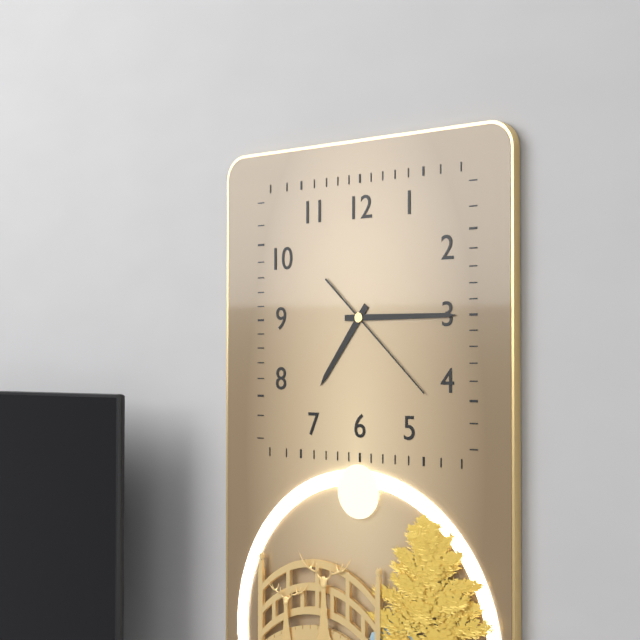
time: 7:15:22
